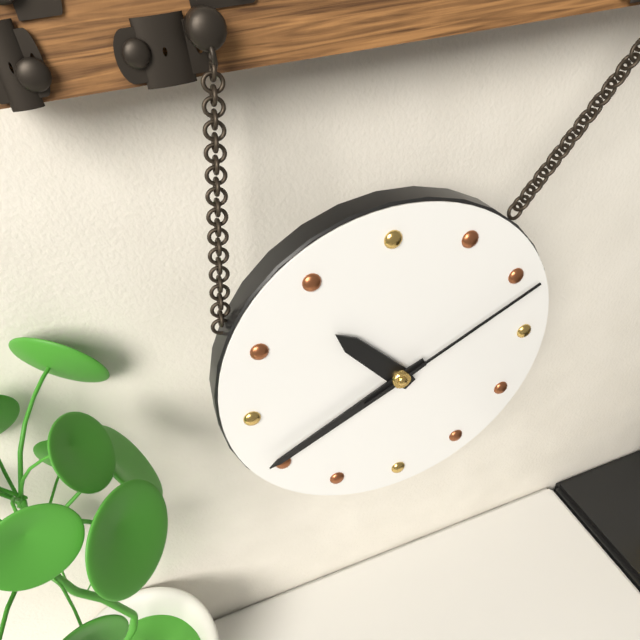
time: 10:41:11
